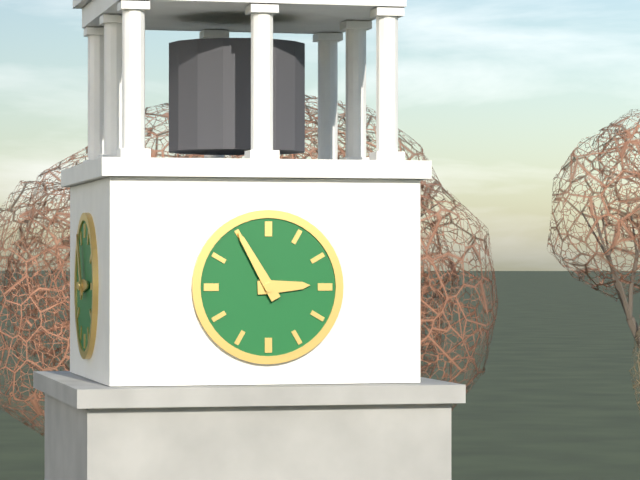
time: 2:55
